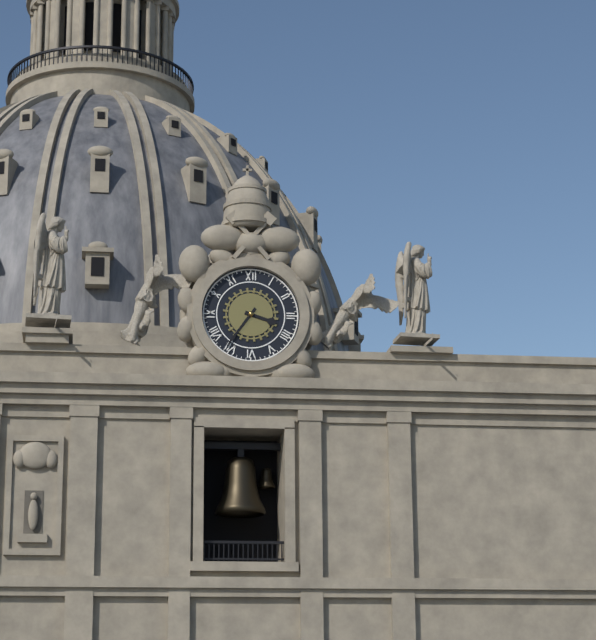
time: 3:36
